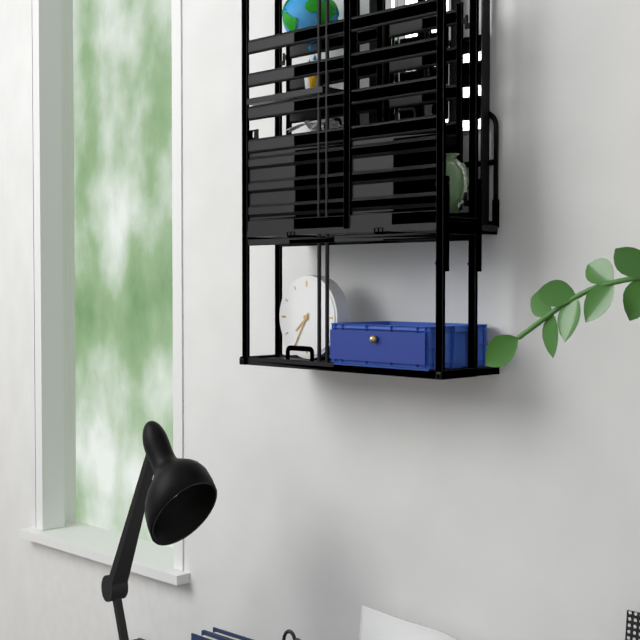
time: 7:35
